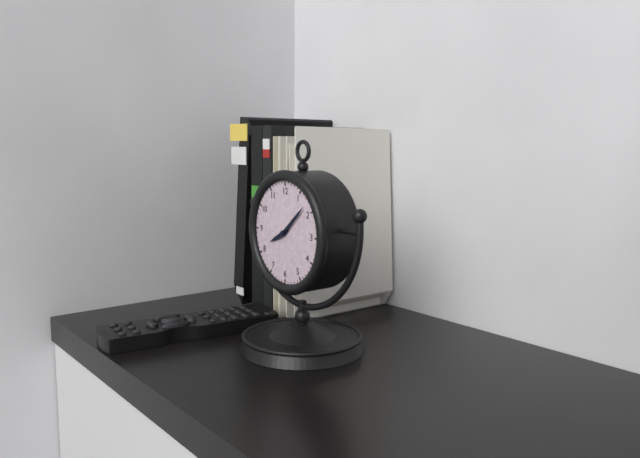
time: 8:08
